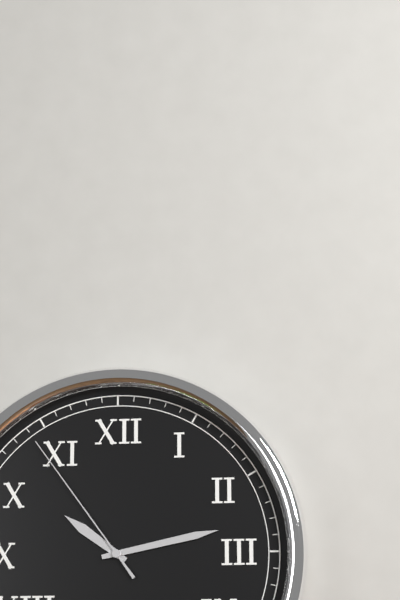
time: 10:13:54
